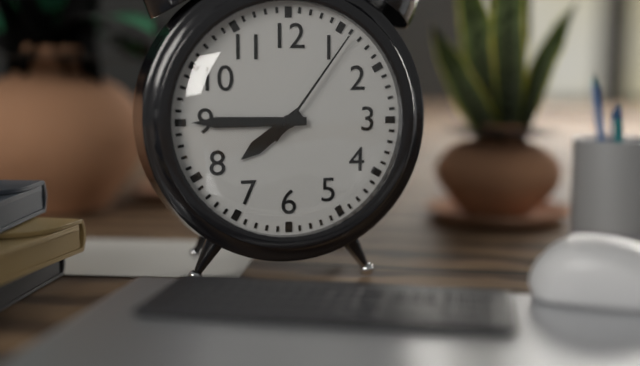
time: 7:45:06
